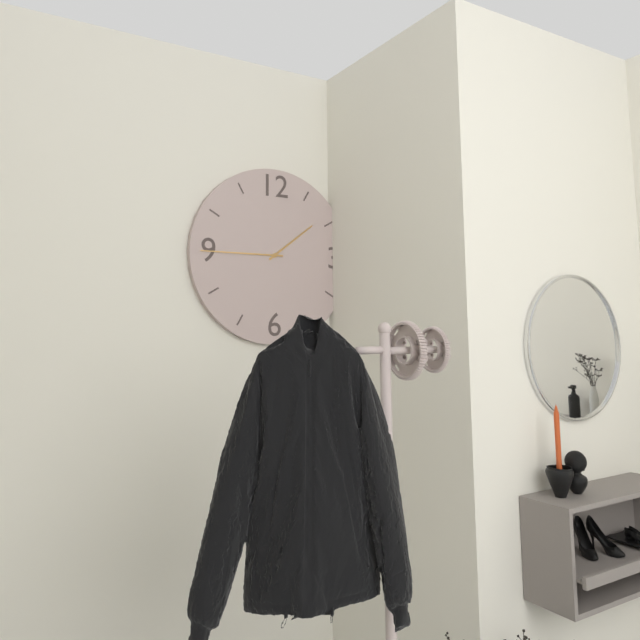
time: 1:45
